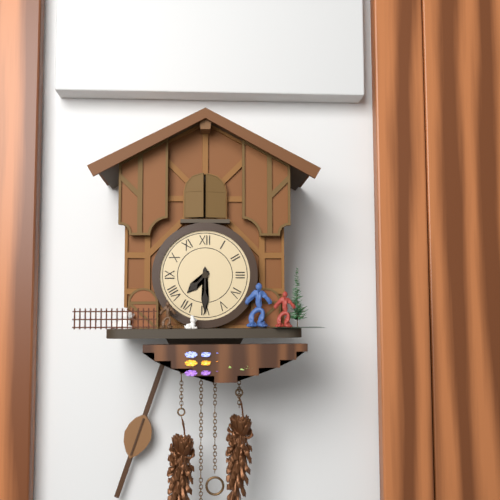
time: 7:30
